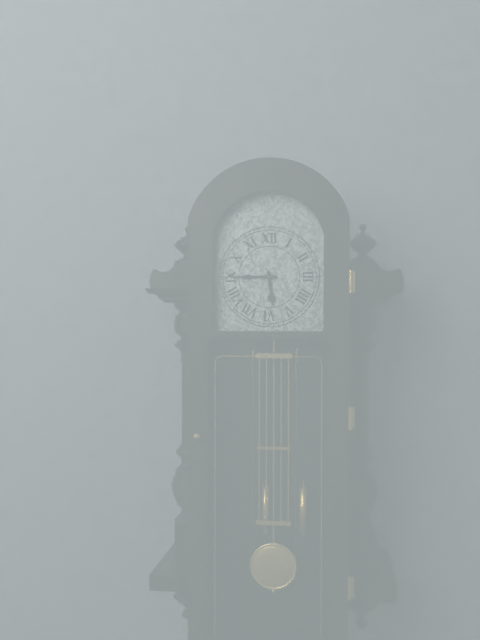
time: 5:45
